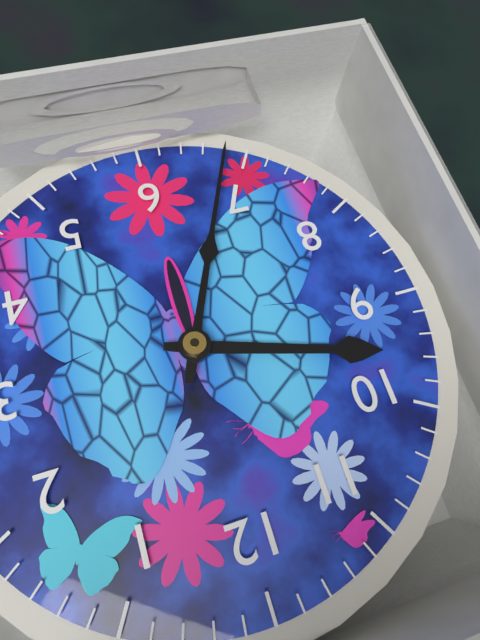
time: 9:34
